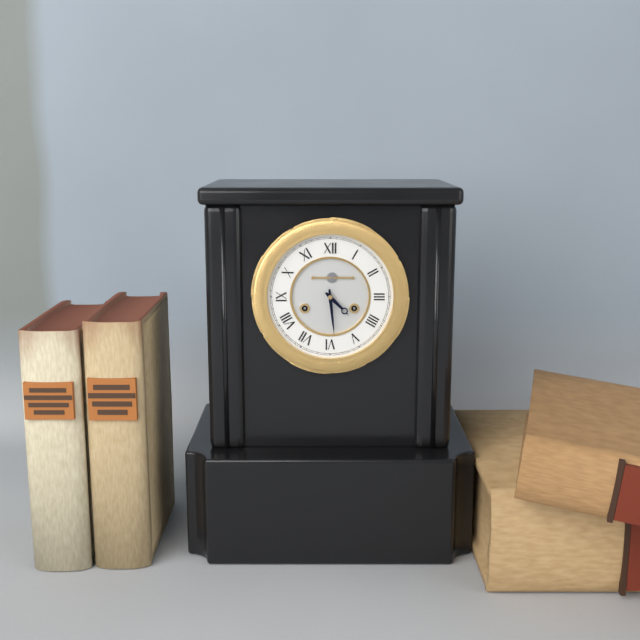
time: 4:29
